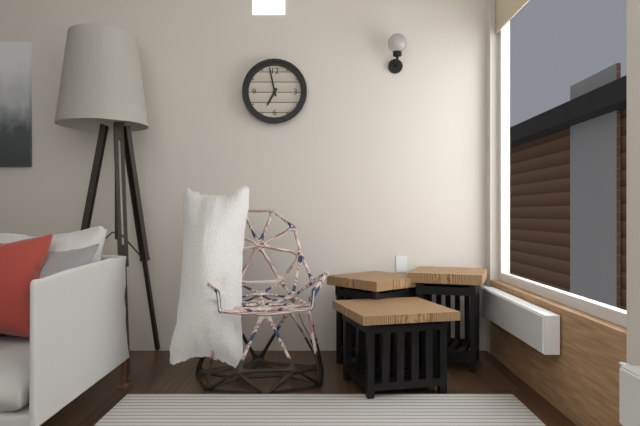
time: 6:58
